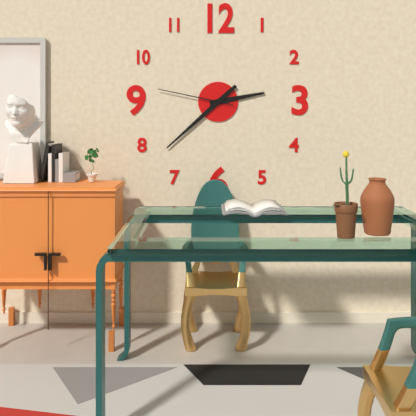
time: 2:38:47
